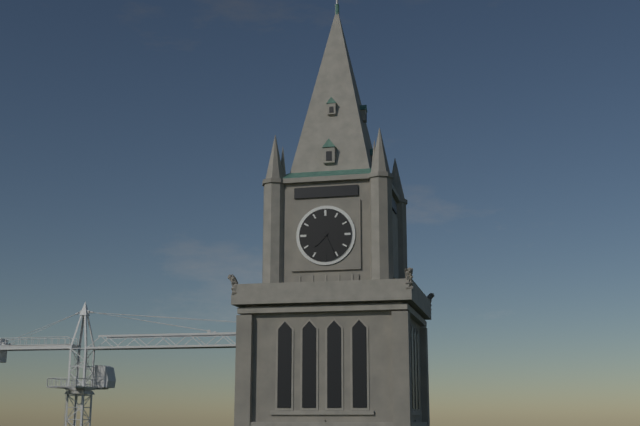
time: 7:26
